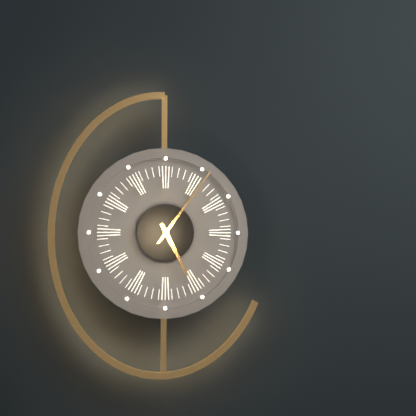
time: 5:06
